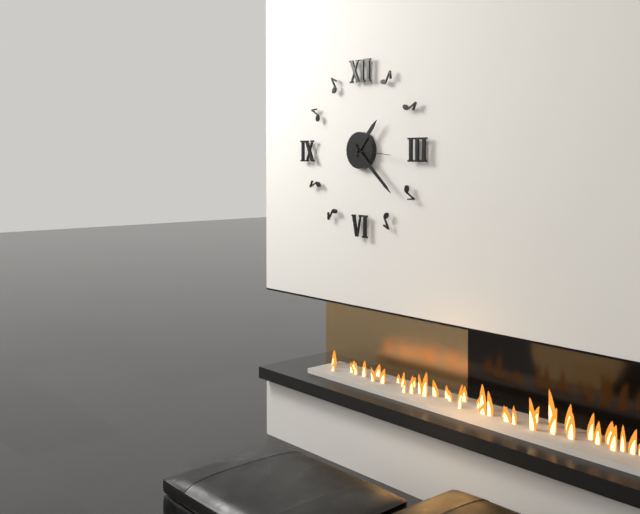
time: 1:22
